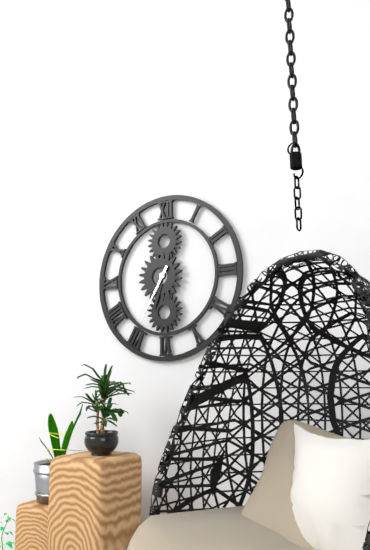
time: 6:35
